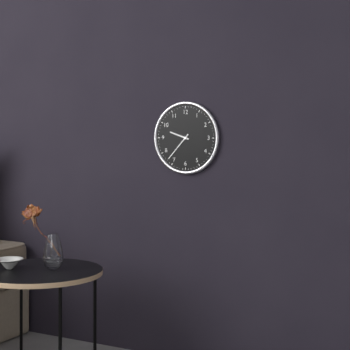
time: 9:37
